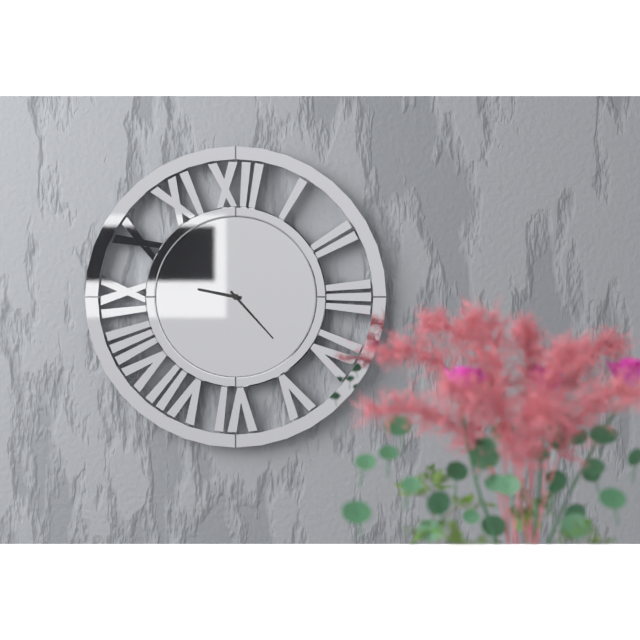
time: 9:23
